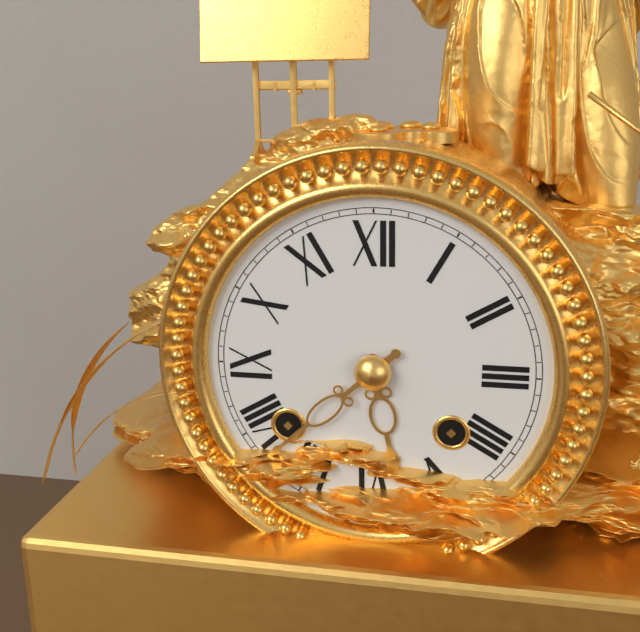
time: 5:38
